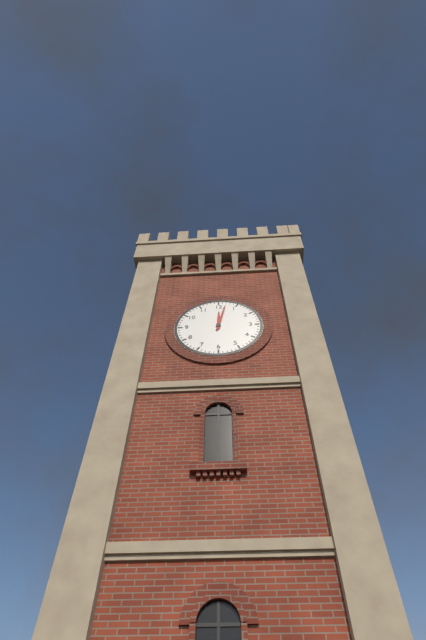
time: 12:02
